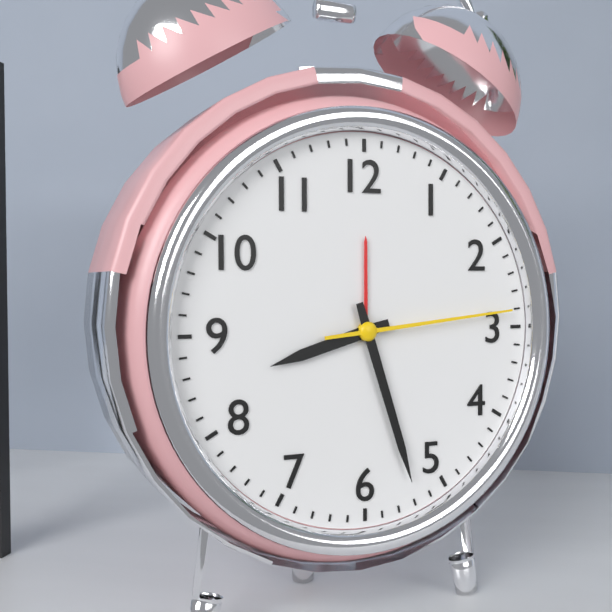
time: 8:27:14
